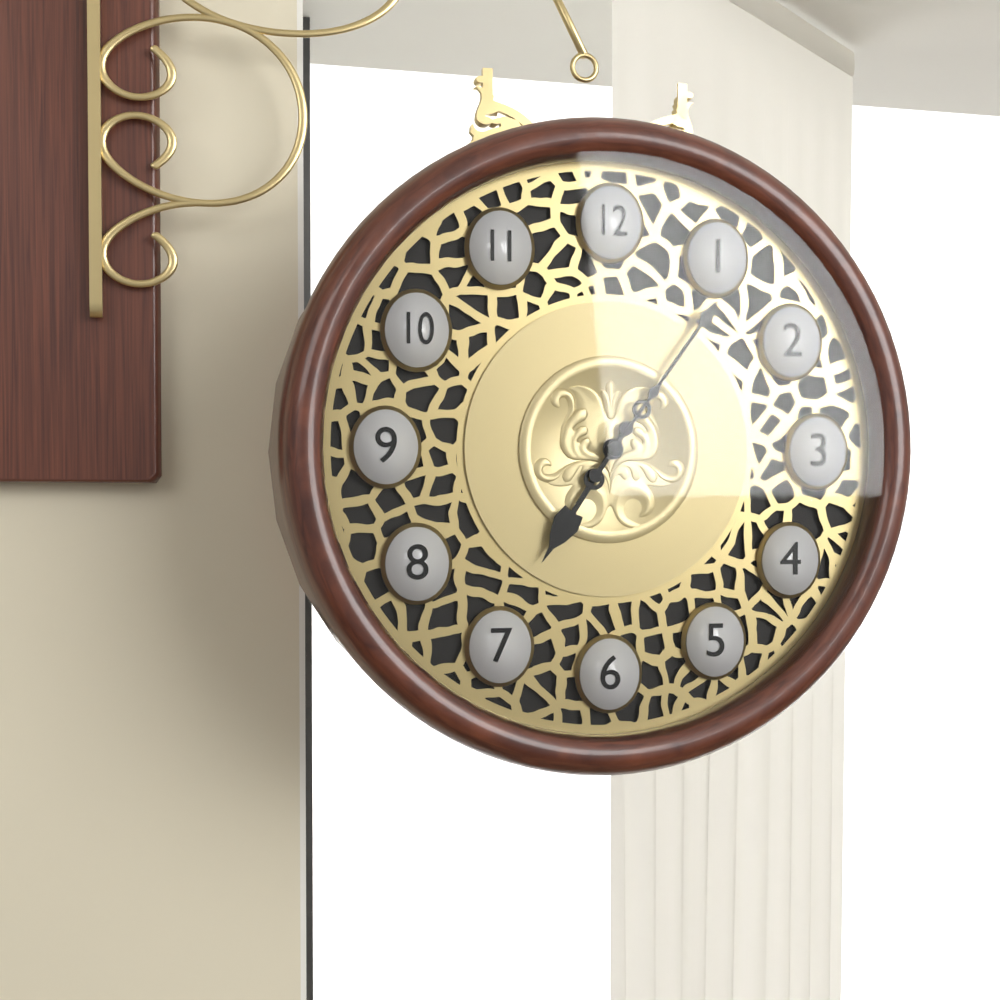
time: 7:06
